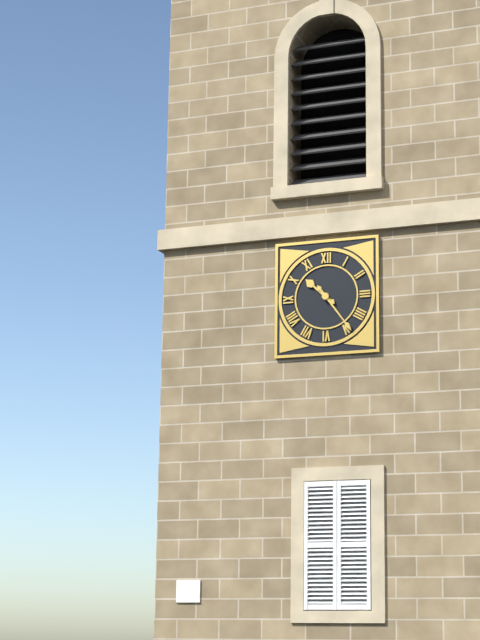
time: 10:24
